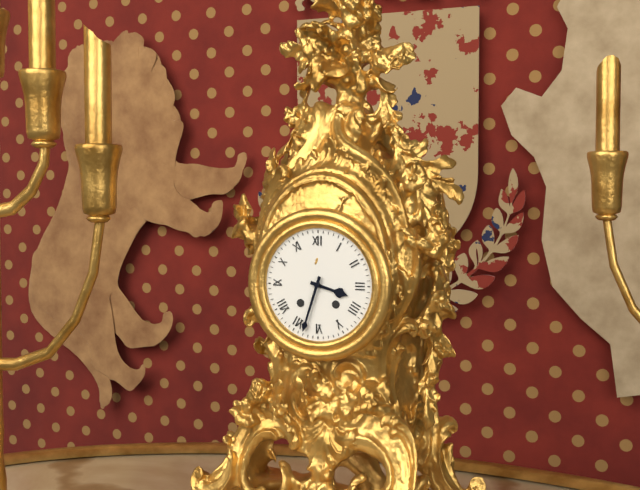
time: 3:33
